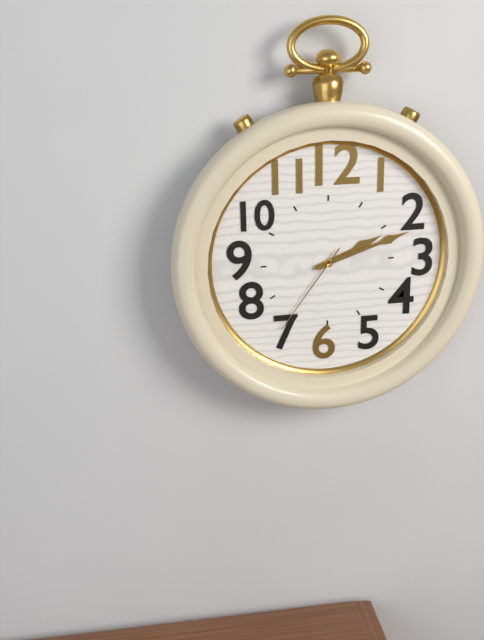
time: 2:12:36
